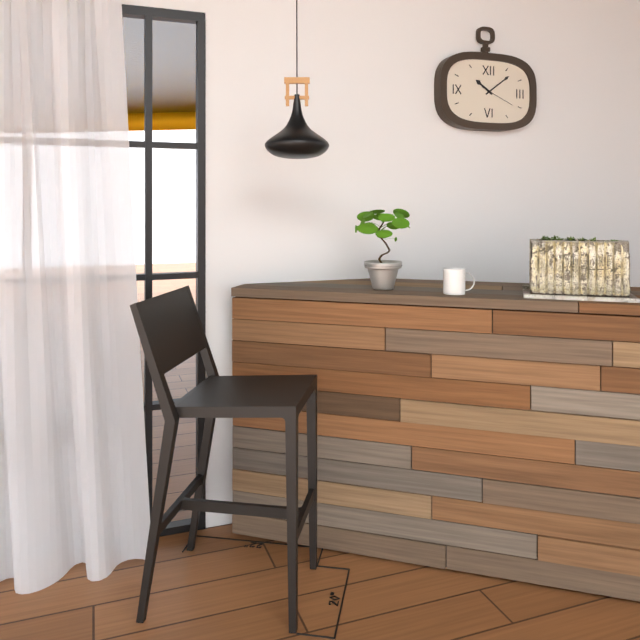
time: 10:09
